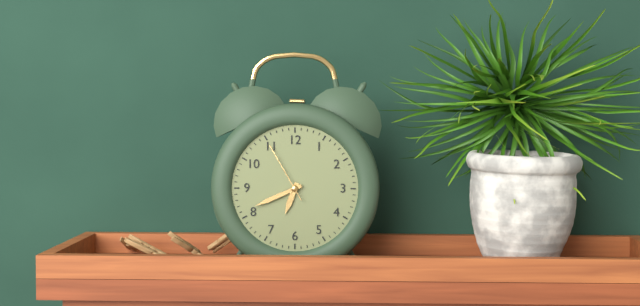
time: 6:41:55
